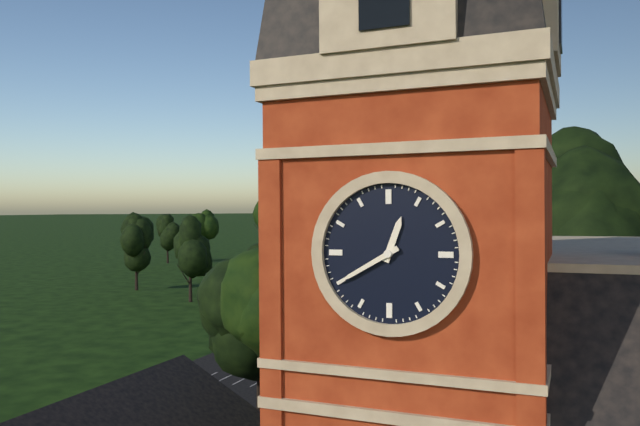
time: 12:40
